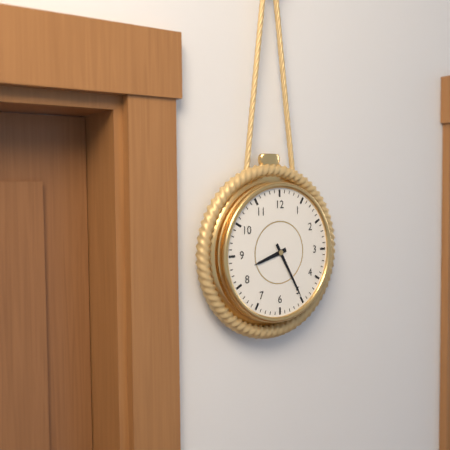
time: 8:25
